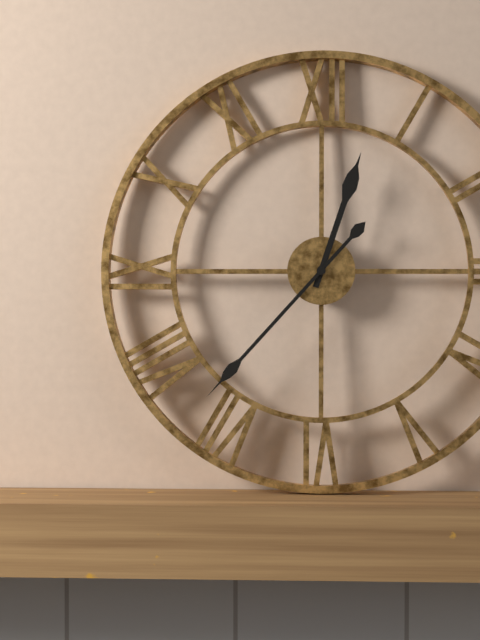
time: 12:37
